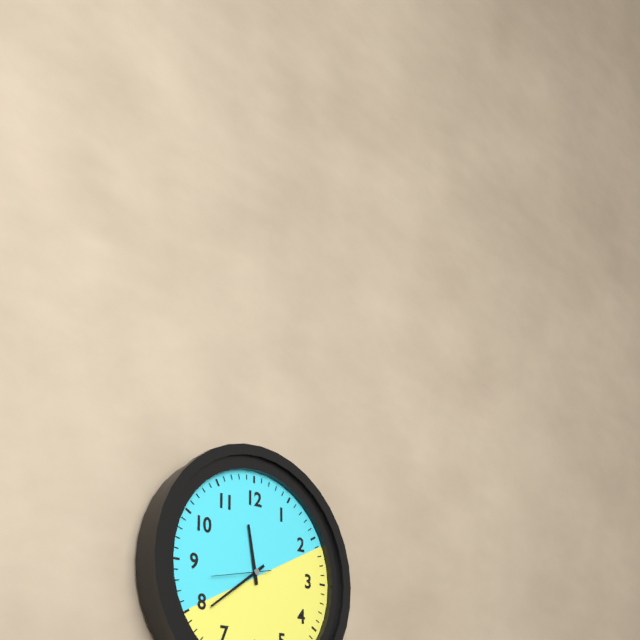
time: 11:39:43
